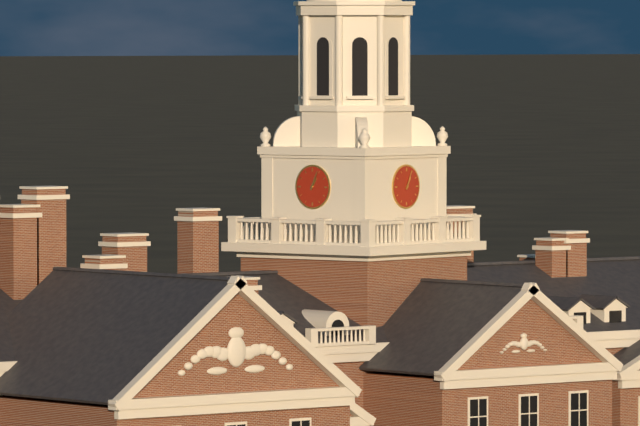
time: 1:04
